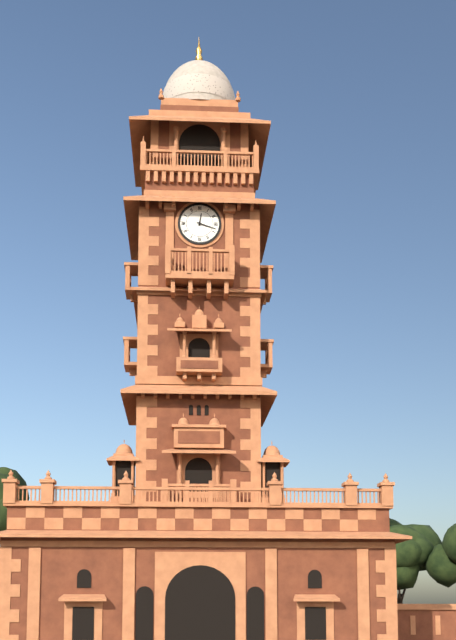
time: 12:18
